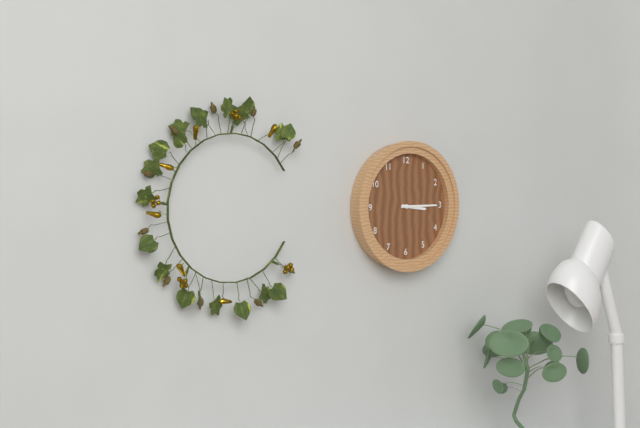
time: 3:15
